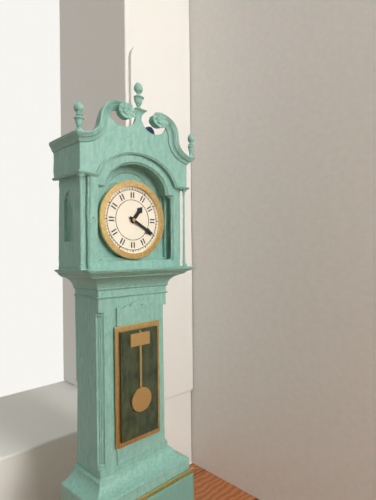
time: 1:20
